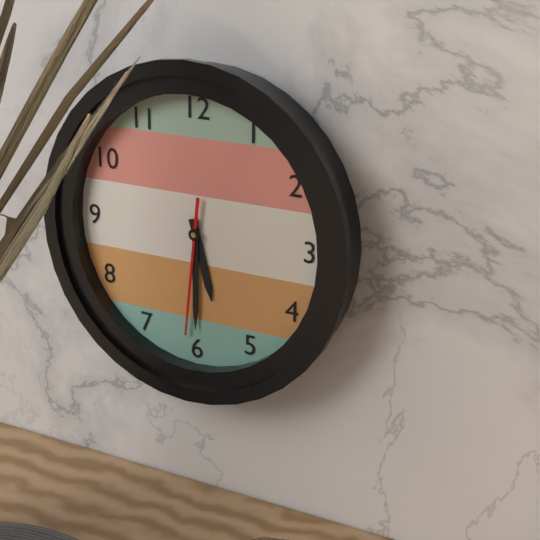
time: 5:30:31
